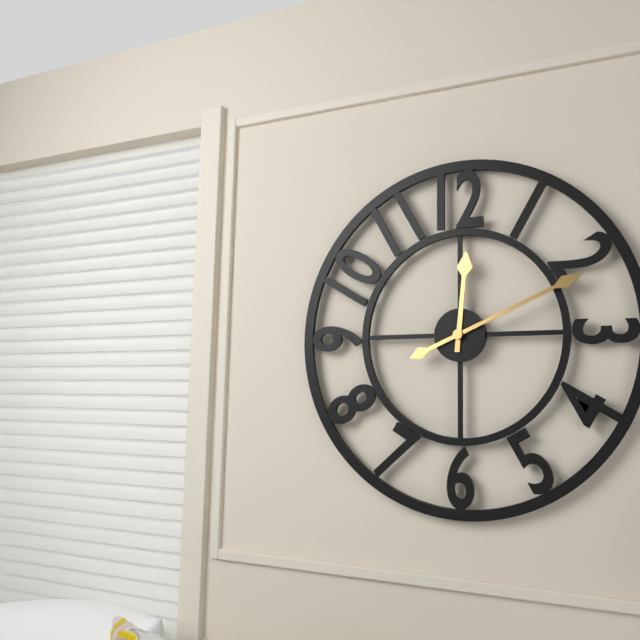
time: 12:11
